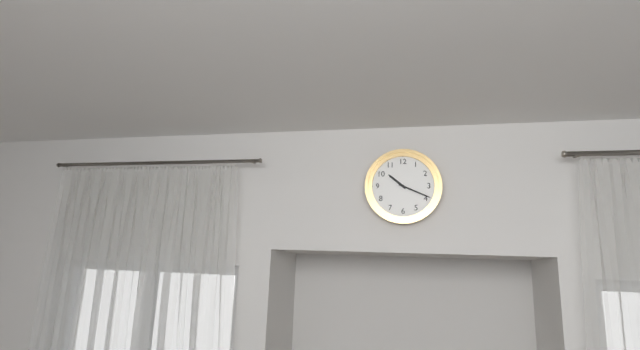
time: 10:19
